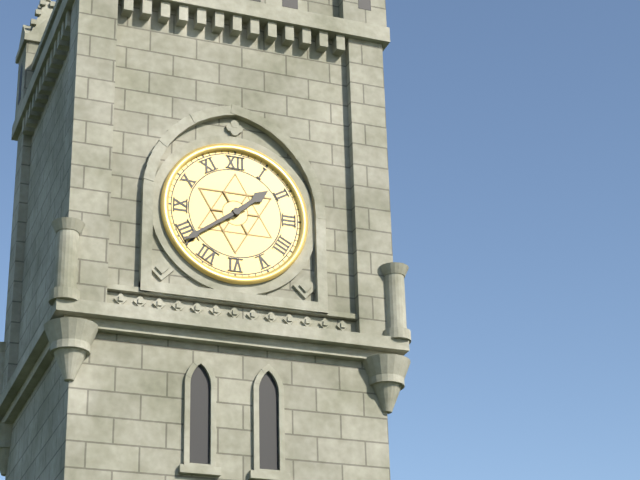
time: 1:39
